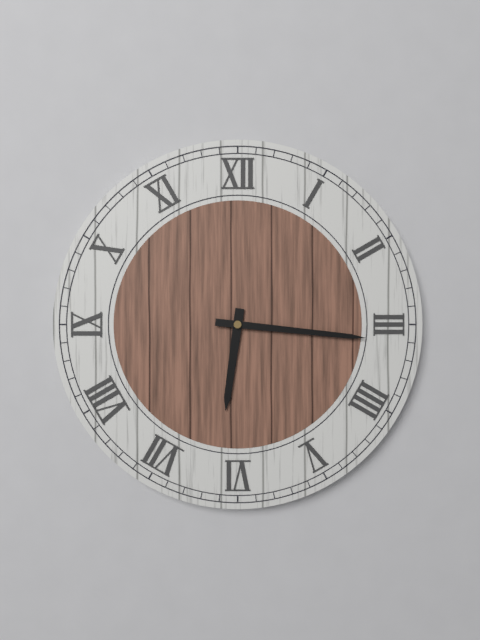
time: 6:16
